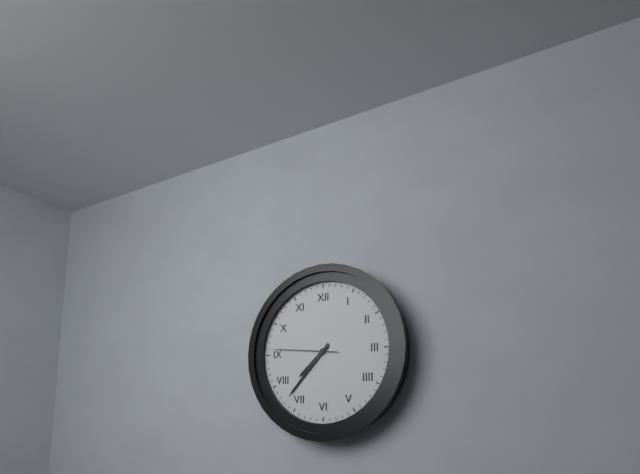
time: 7:37:46
